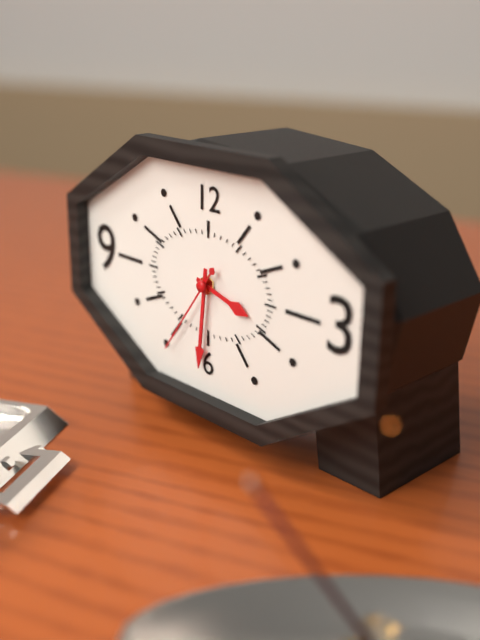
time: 3:31:36
